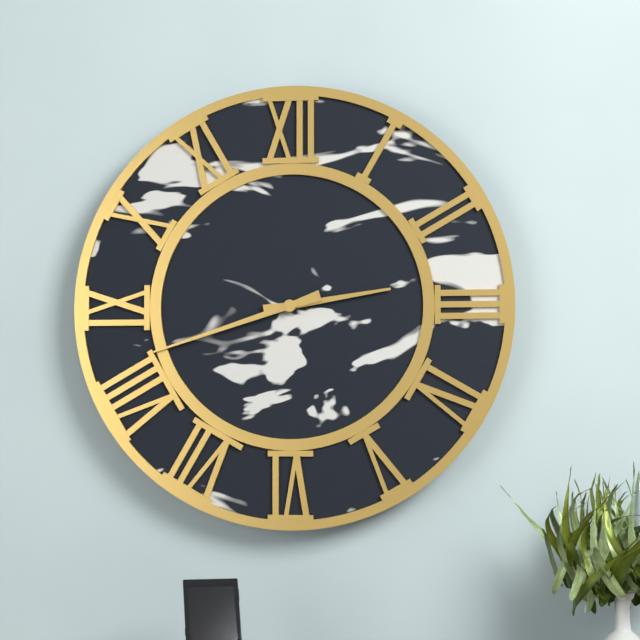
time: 2:42
